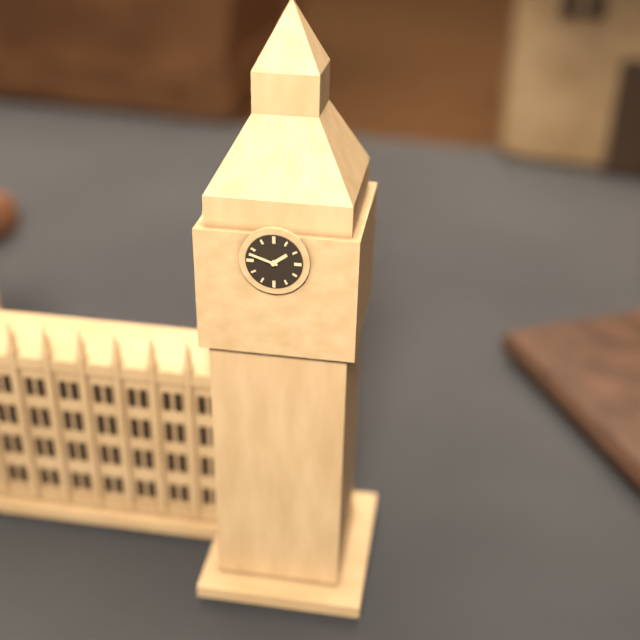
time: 1:48
